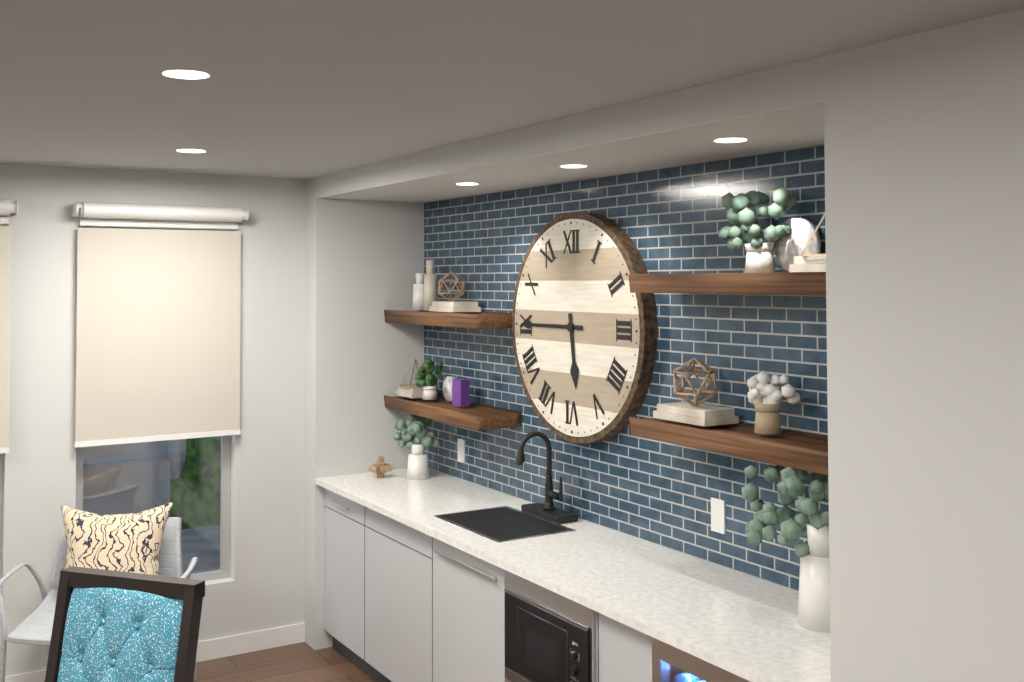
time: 5:45
